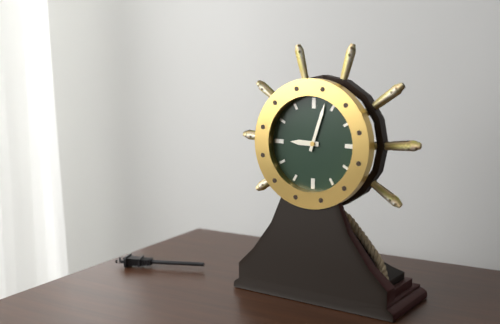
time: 9:03
